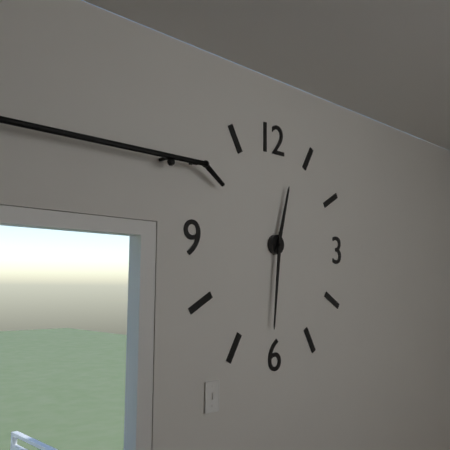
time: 12:31
